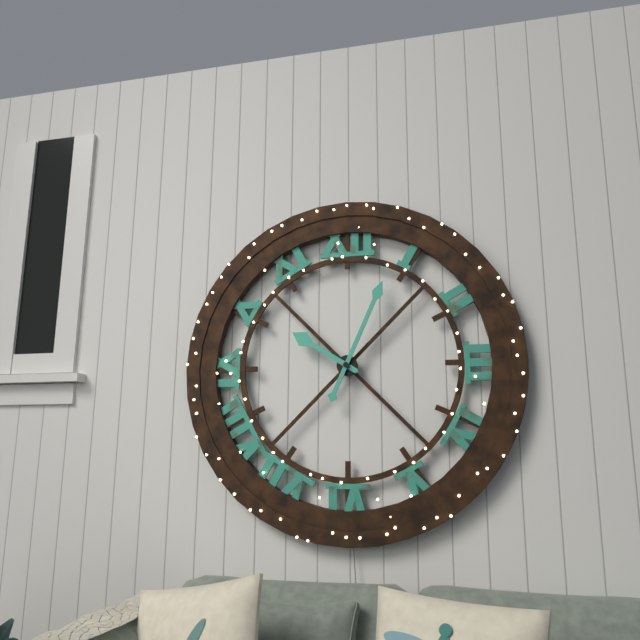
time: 10:04
